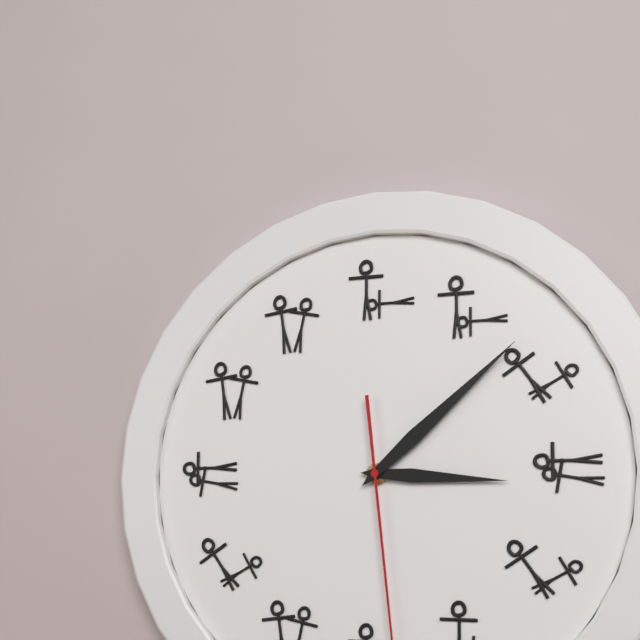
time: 3:08
